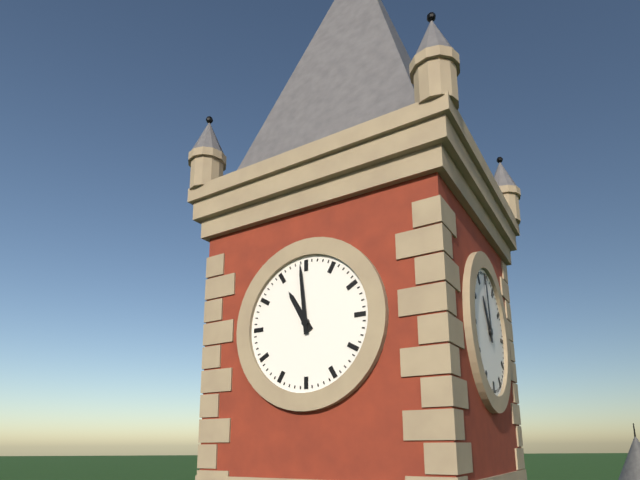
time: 10:59
